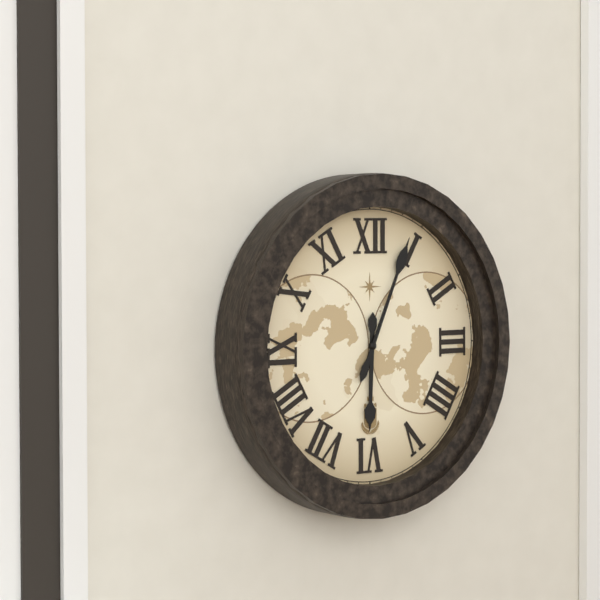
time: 6:04
